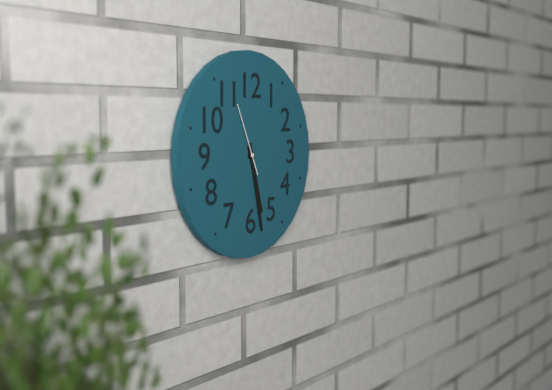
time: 5:28:56
